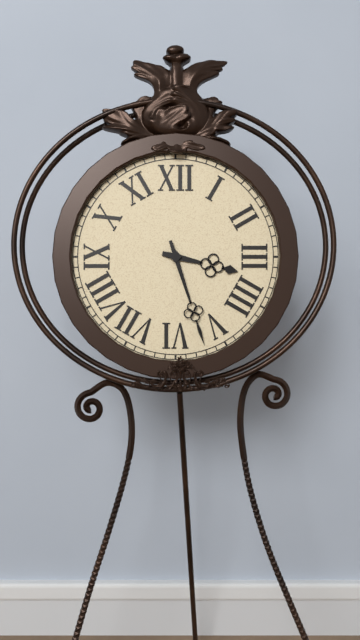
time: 3:27
